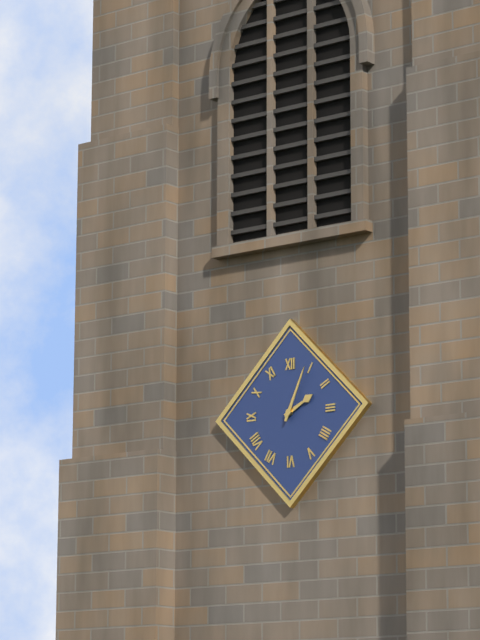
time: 2:04
